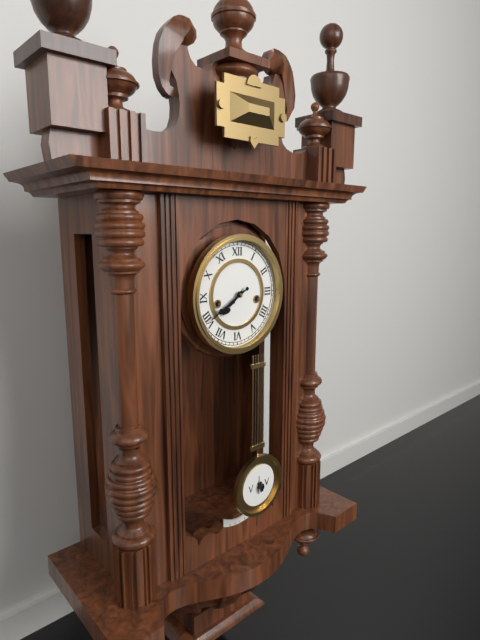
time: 7:40
